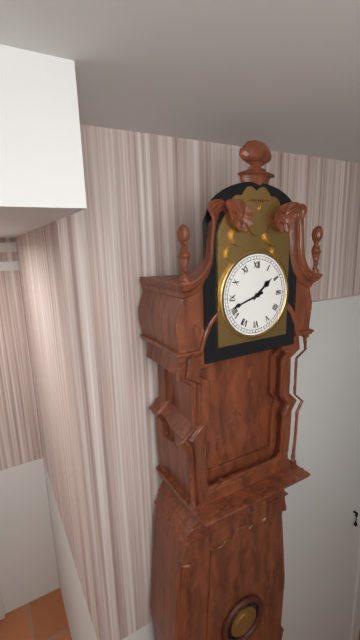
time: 1:42
